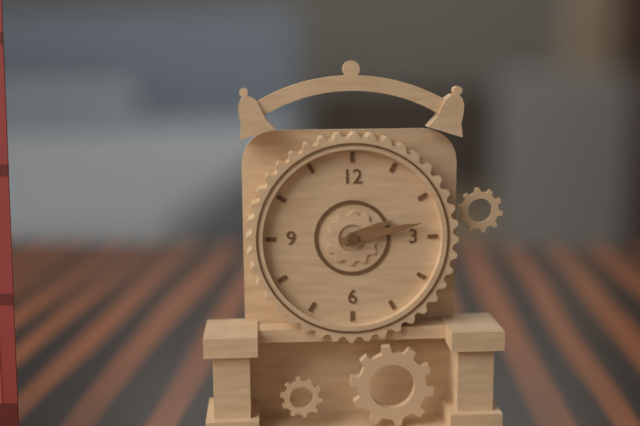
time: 2:13
